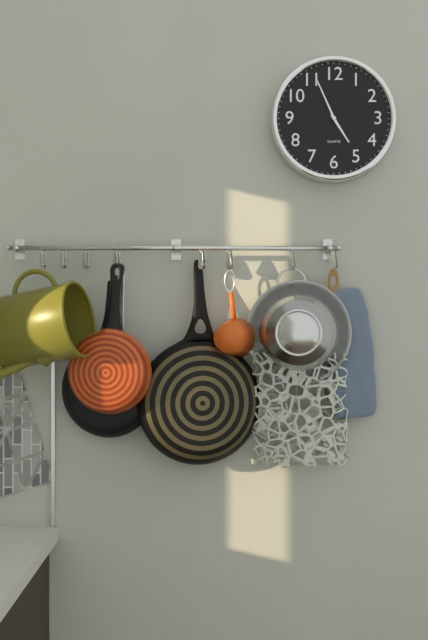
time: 4:56
